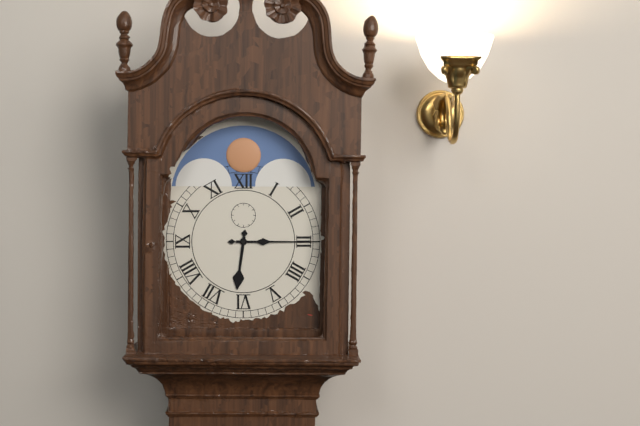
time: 6:15
